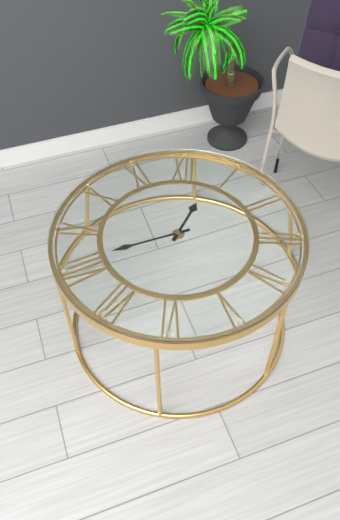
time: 12:41
